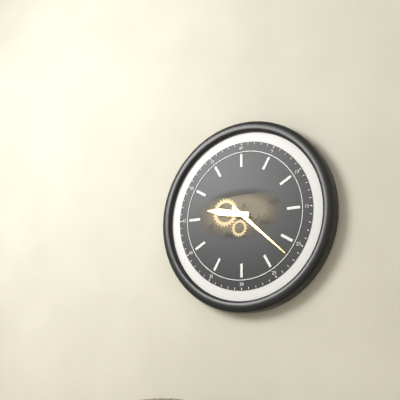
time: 9:22
